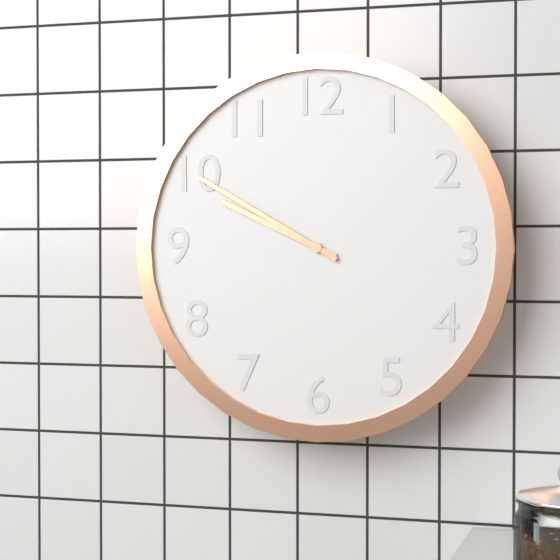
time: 9:50
